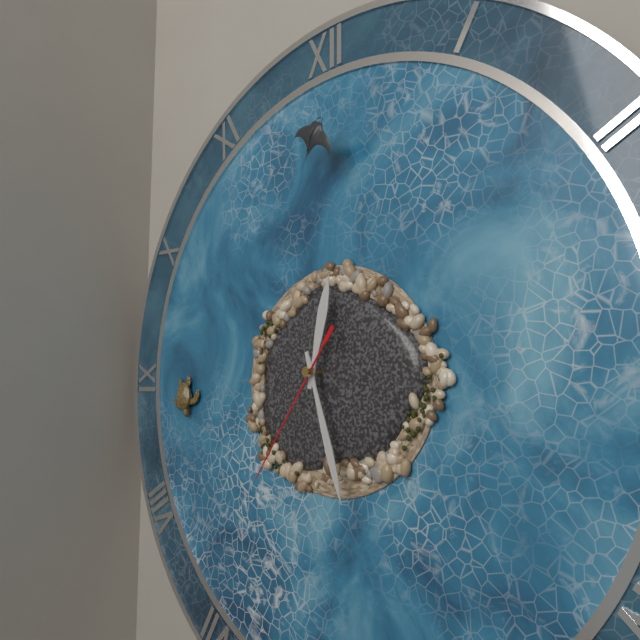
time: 12:27:36
